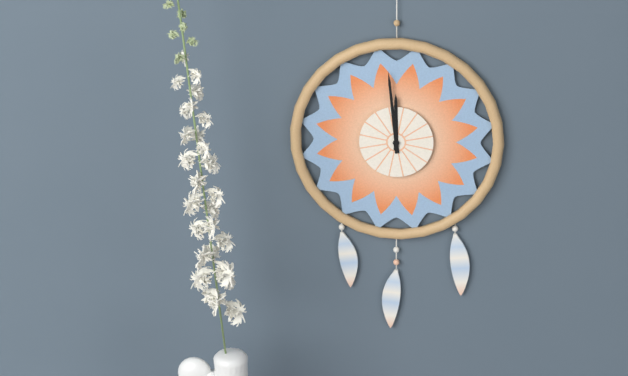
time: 11:59
